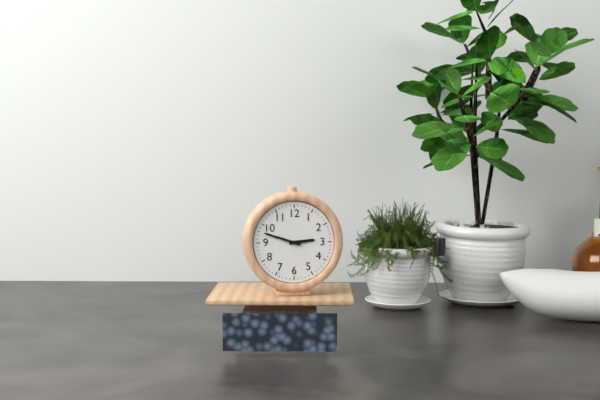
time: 2:48
